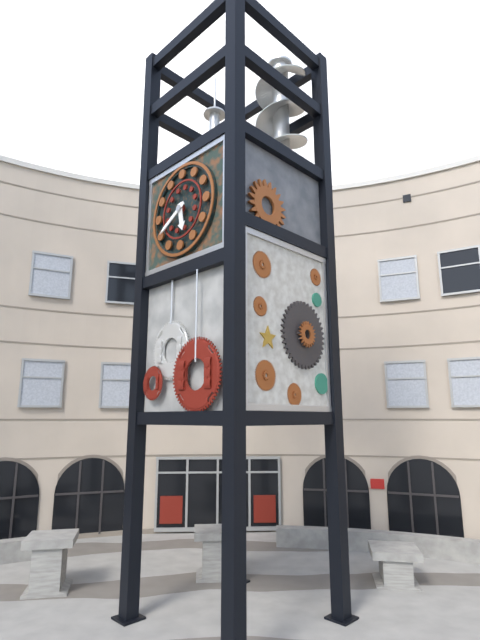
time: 5:40
